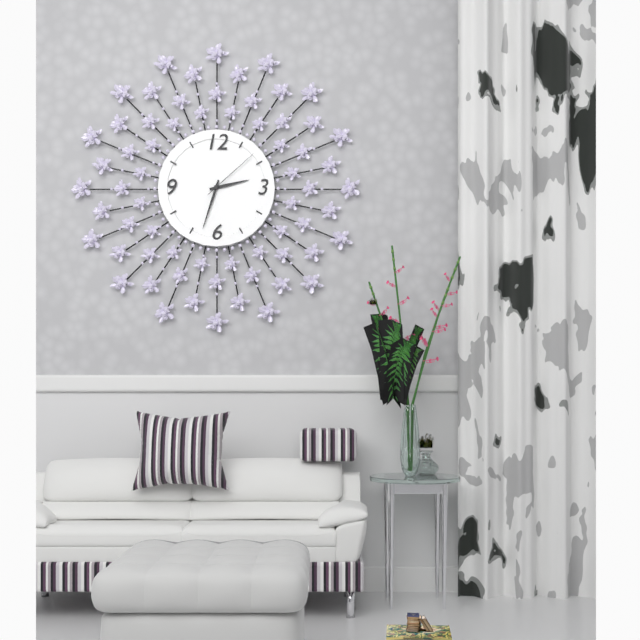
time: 2:33:08
